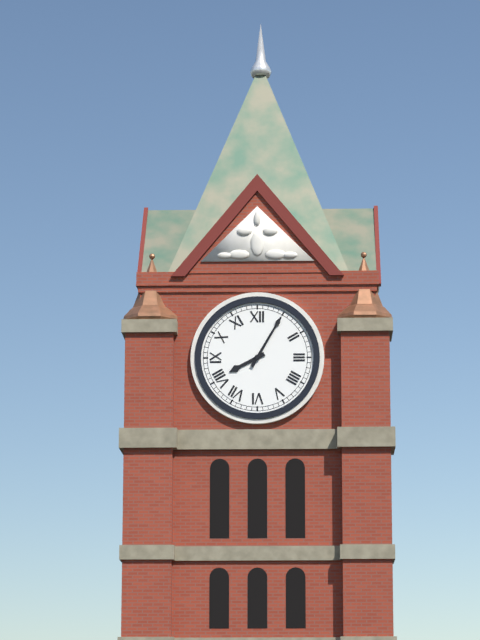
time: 8:05
